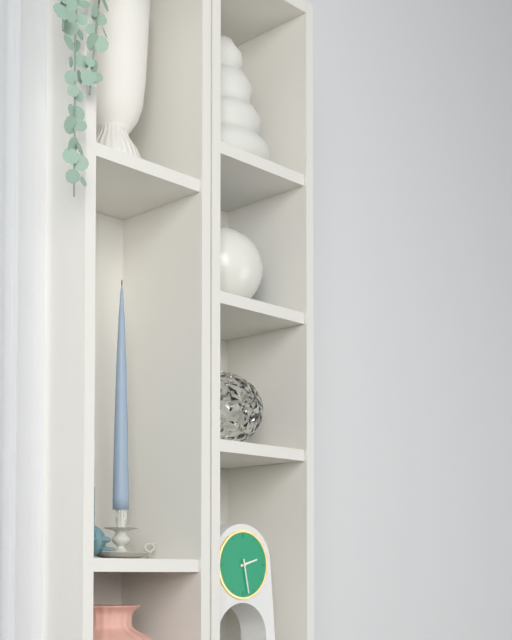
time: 2:28
